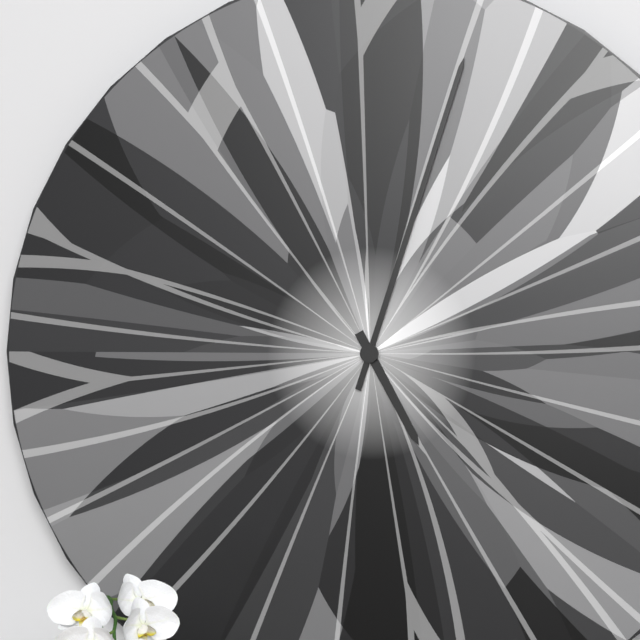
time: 5:03
